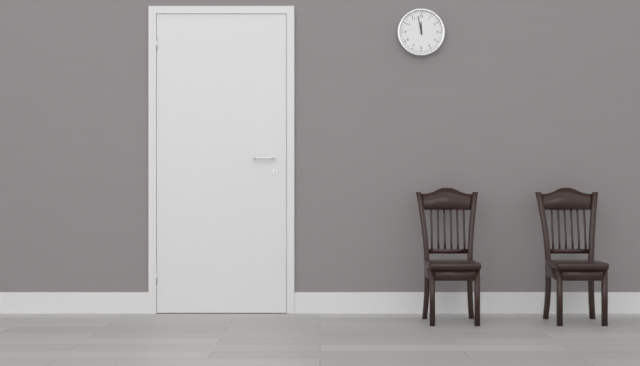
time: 11:58
